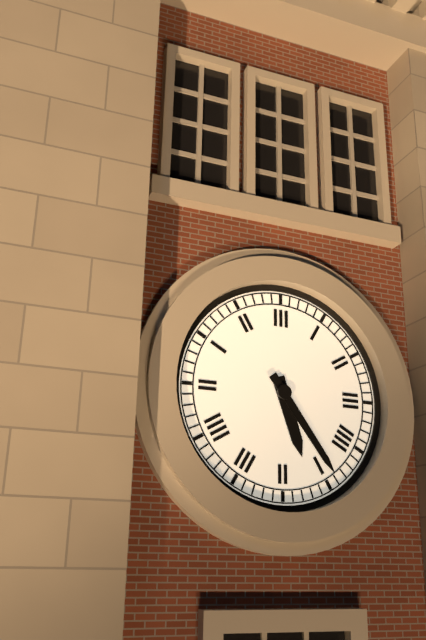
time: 5:24
